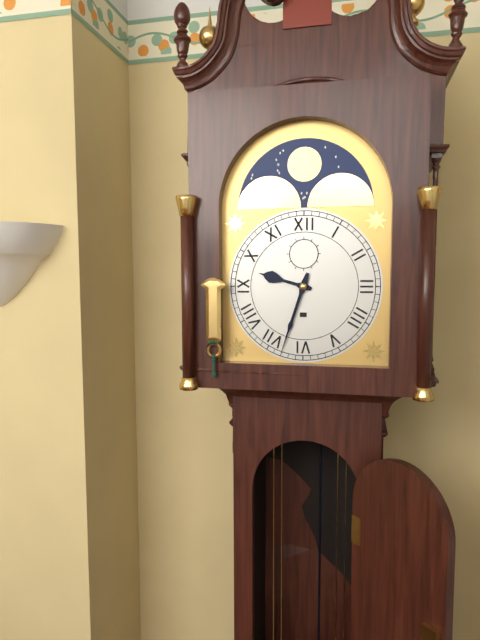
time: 9:33
